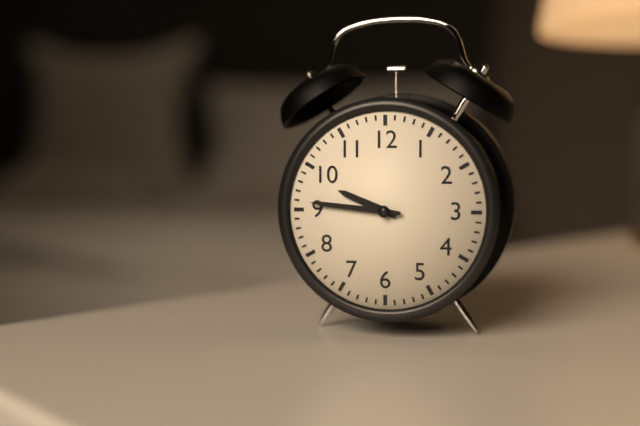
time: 9:46
